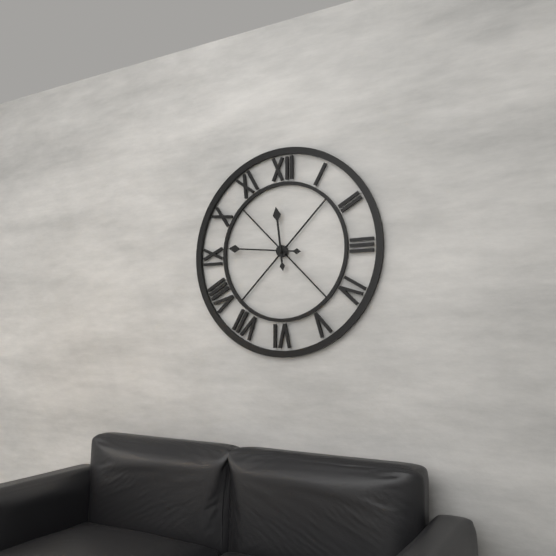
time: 11:46
